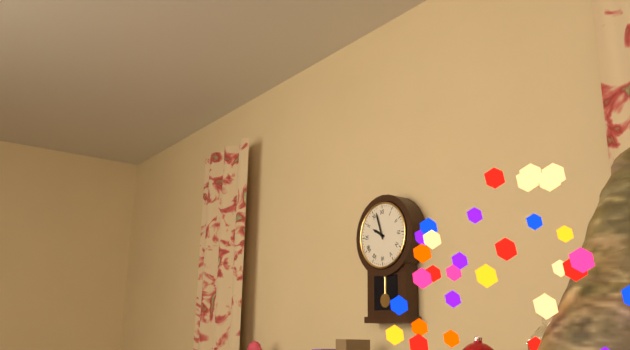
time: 9:57
